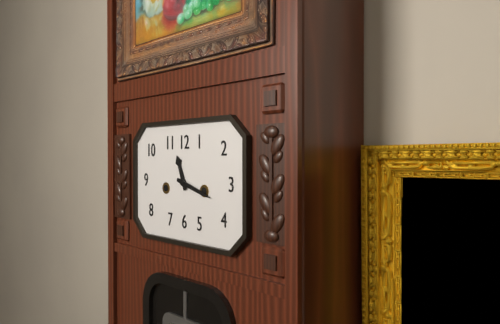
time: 11:18
